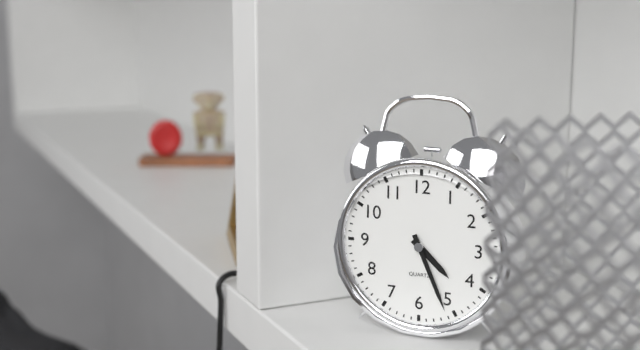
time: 4:26
